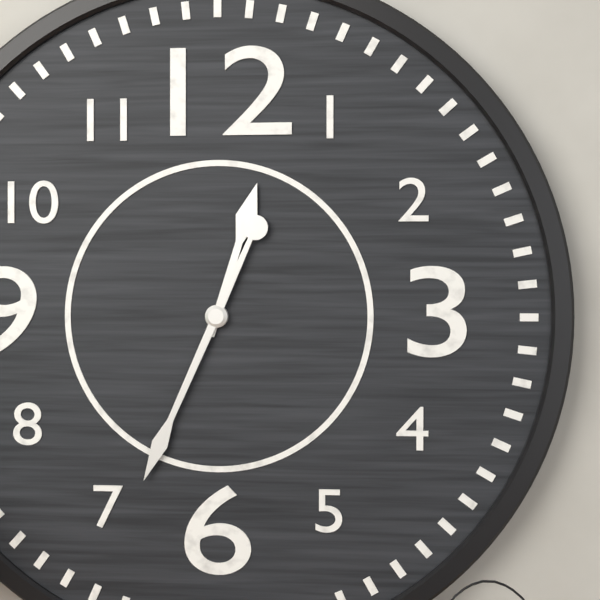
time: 12:34
